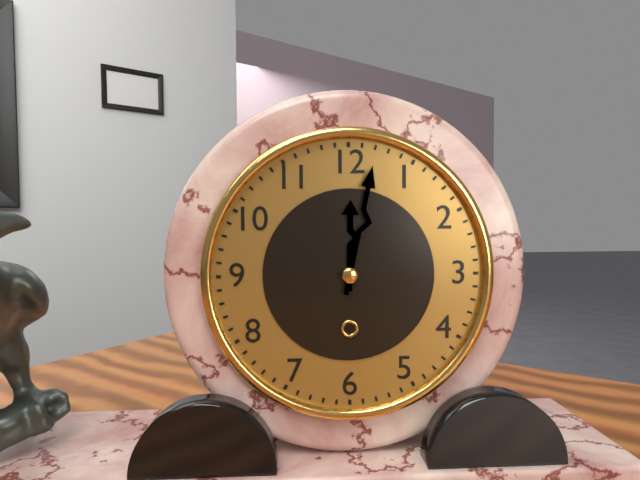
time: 12:02
